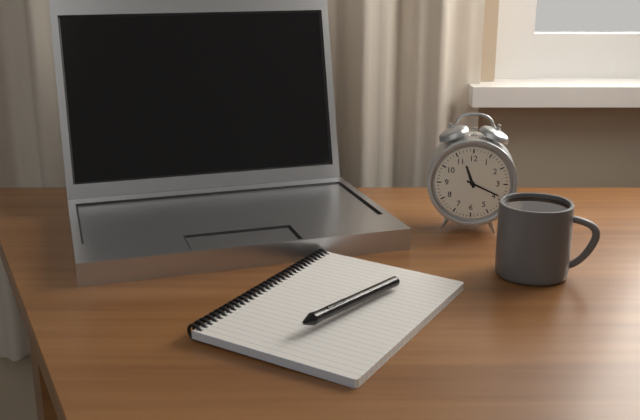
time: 11:19
